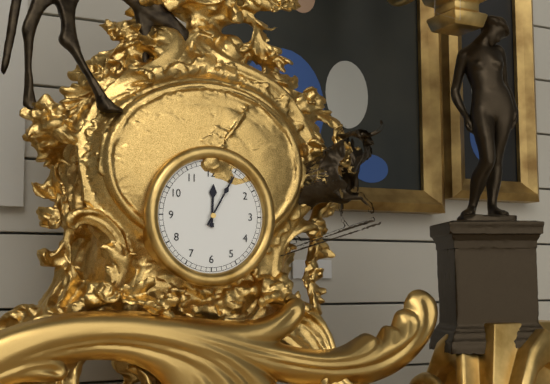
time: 12:05
